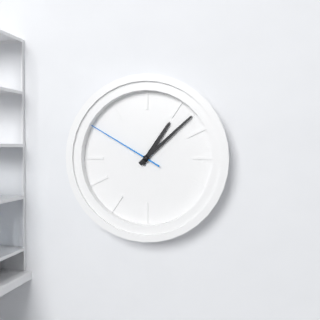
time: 1:08:50
